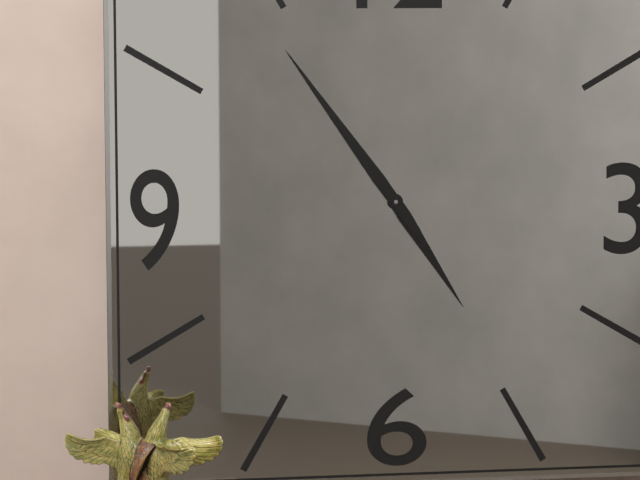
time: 4:54
